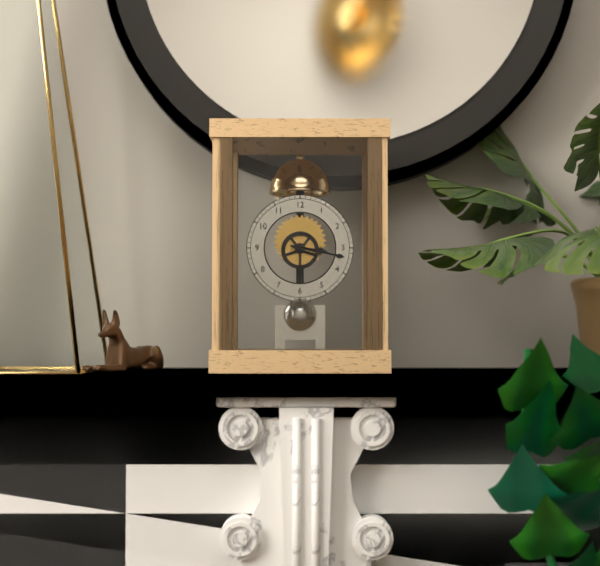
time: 3:17
